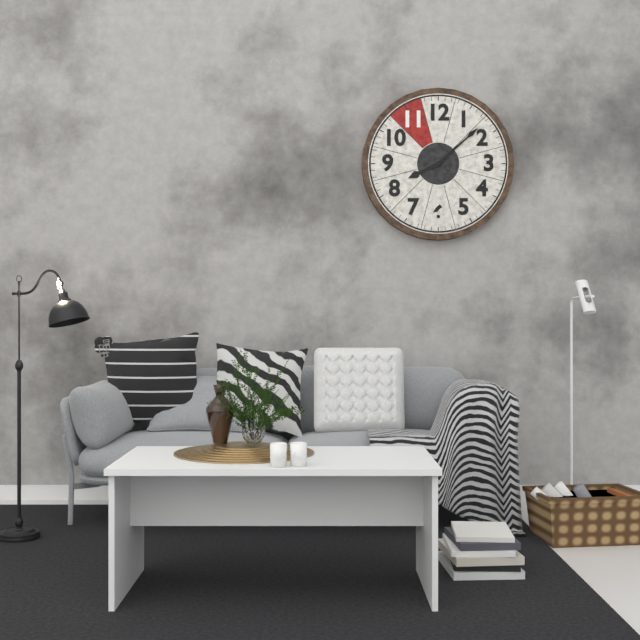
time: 8:08
